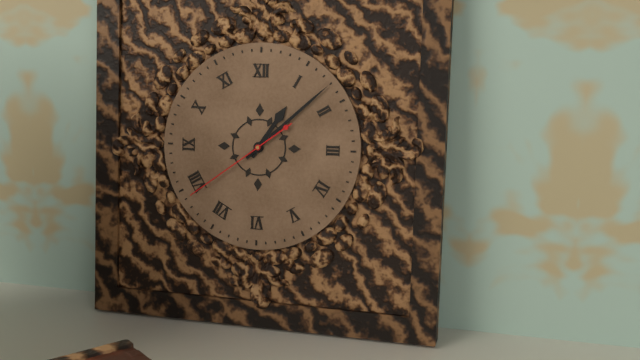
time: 1:08:39
